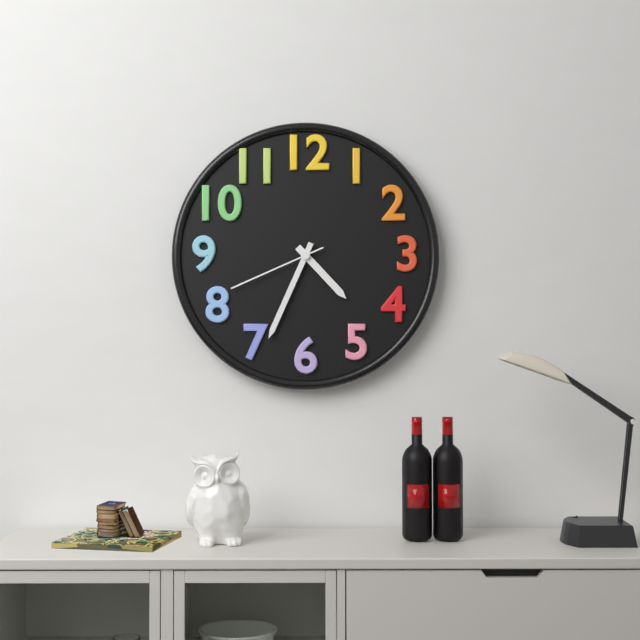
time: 4:34:41
